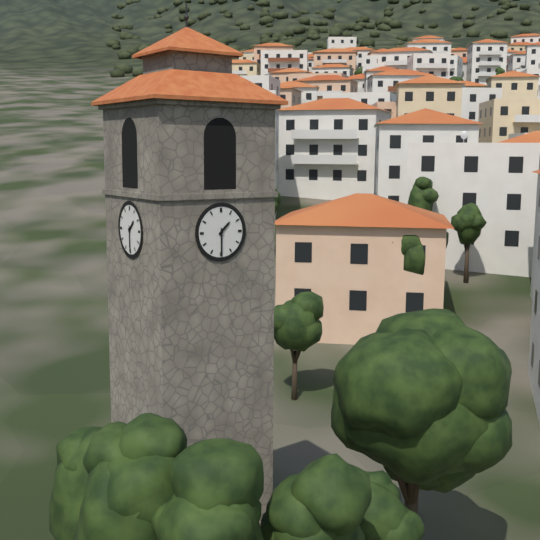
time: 1:30
